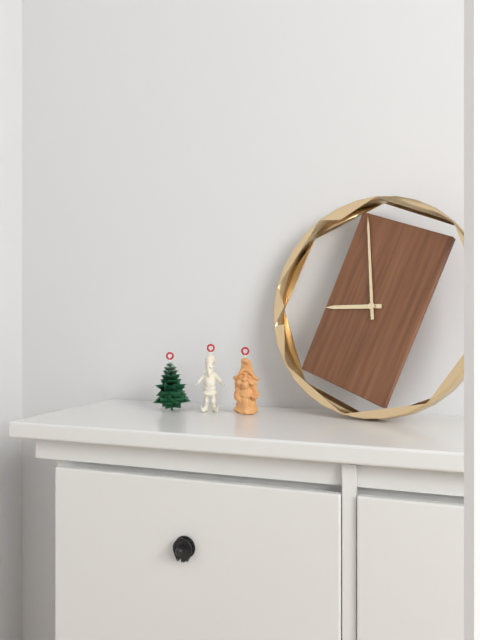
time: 8:59
